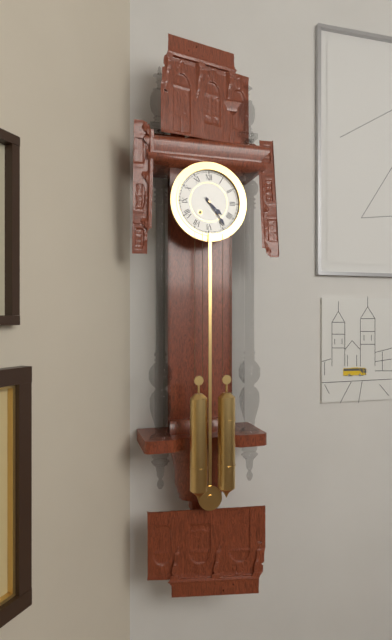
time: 4:24
